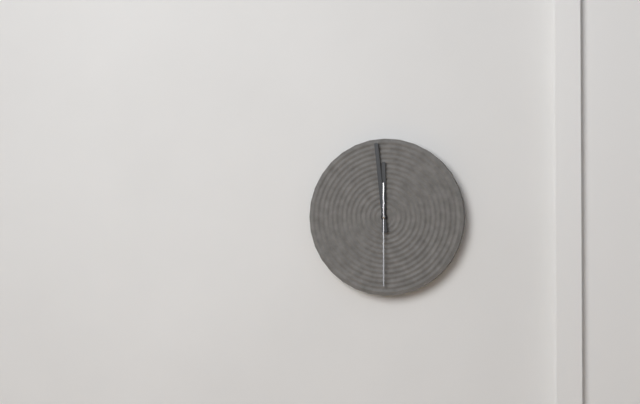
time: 11:59:30
